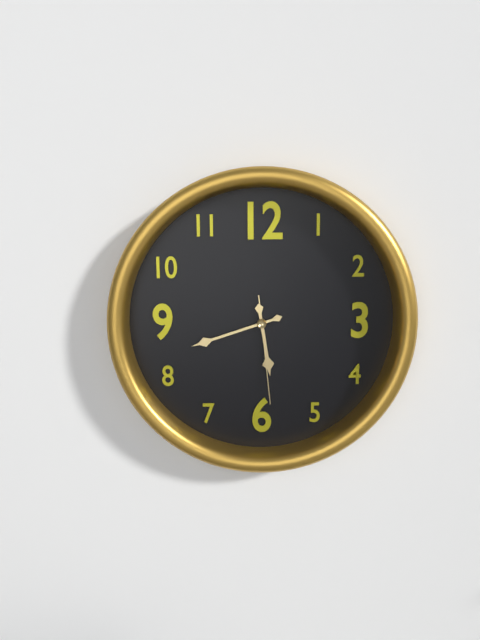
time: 5:42:29
